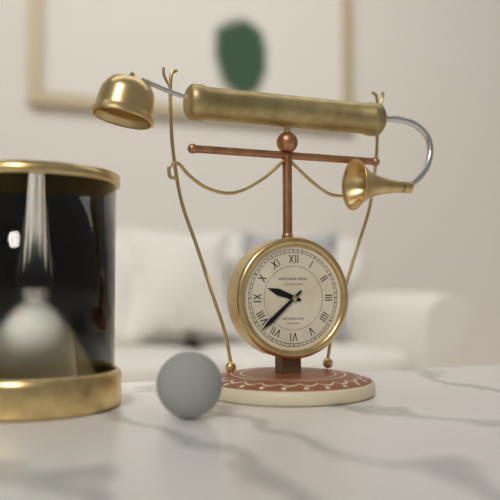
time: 9:38
